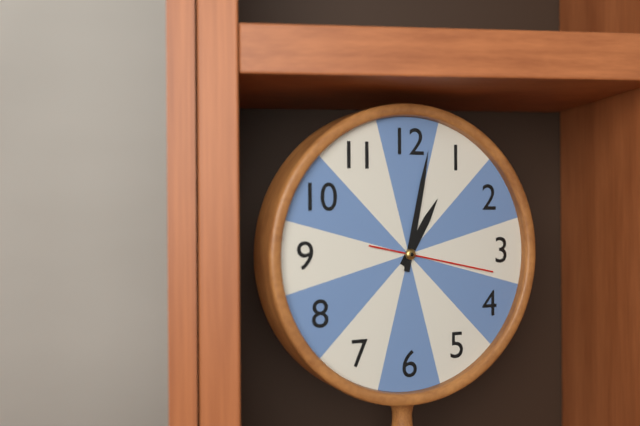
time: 1:02:17
